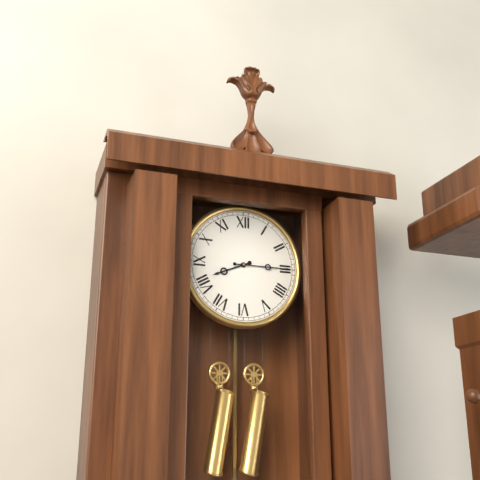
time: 8:15
